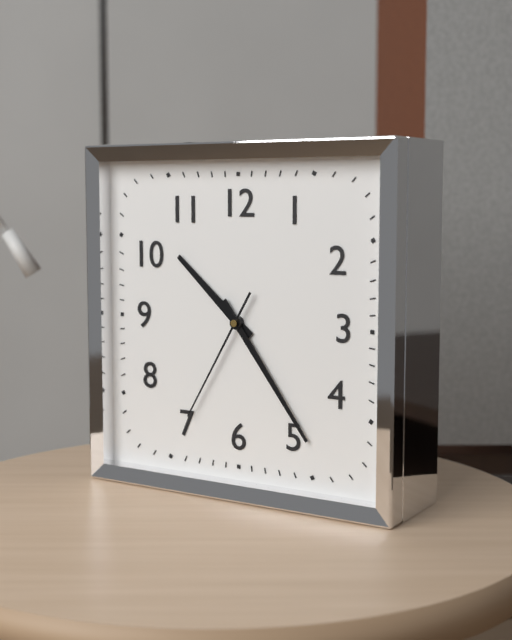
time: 10:24:35
